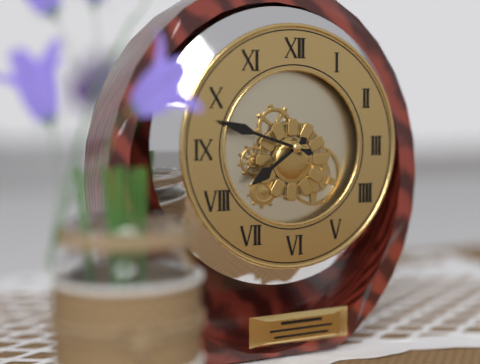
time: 7:48
